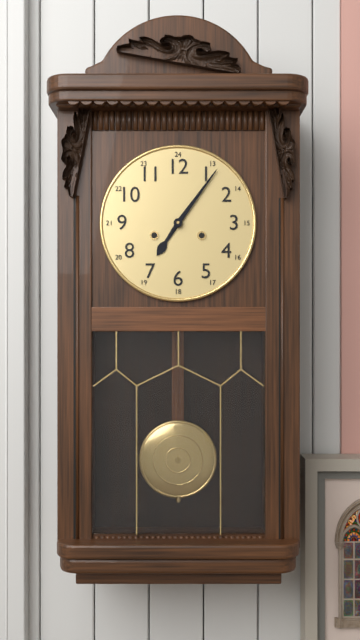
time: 7:06
